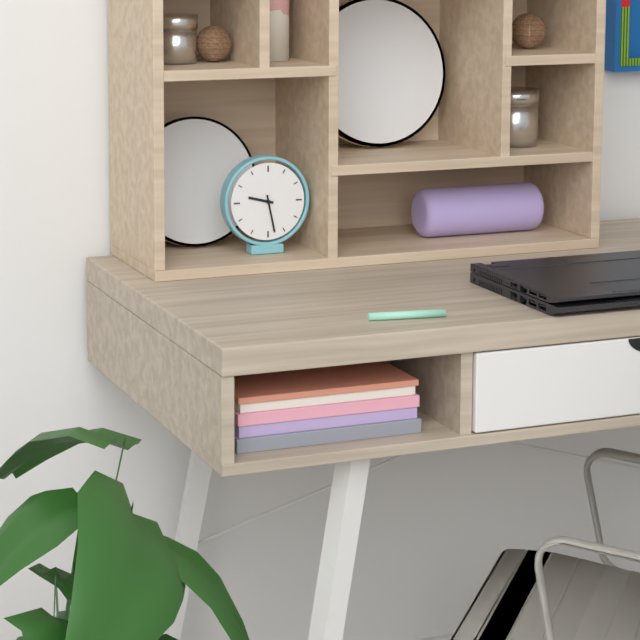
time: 9:28
